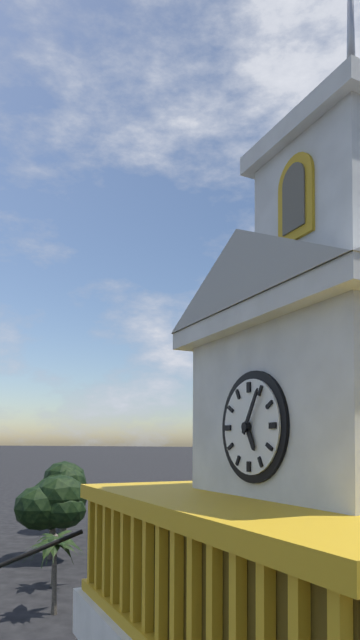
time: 5:05
